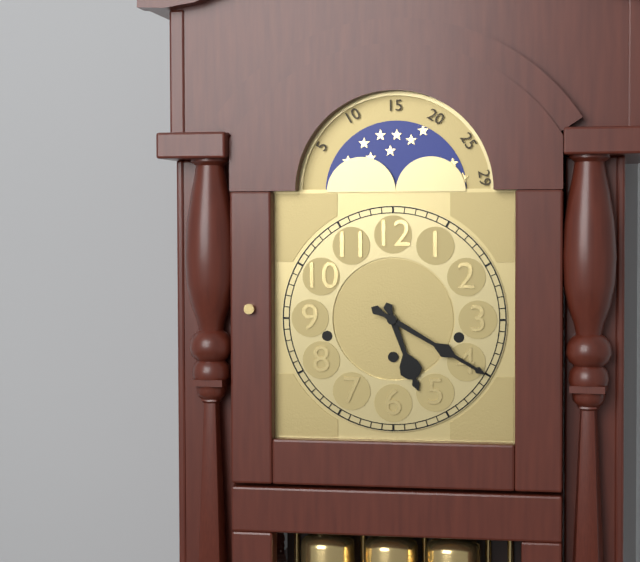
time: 5:20
